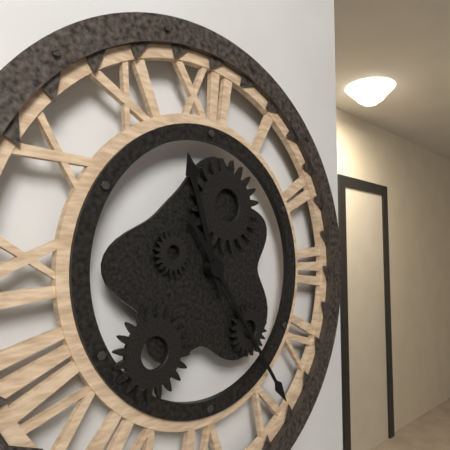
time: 11:24
